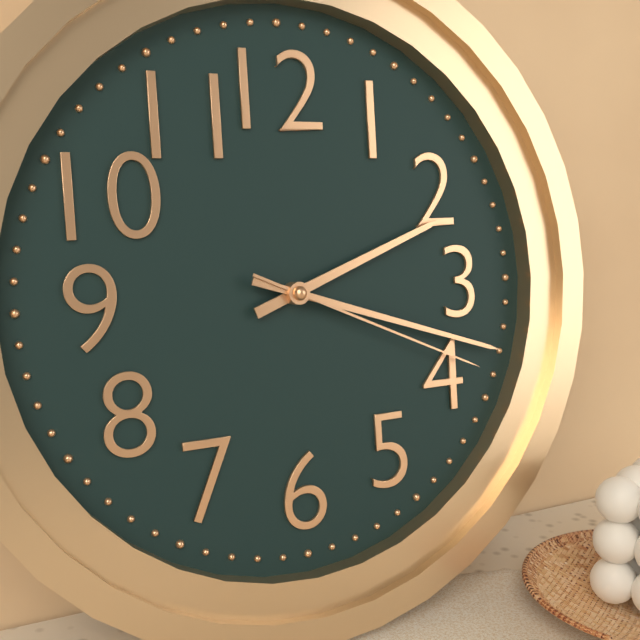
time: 2:18:19
